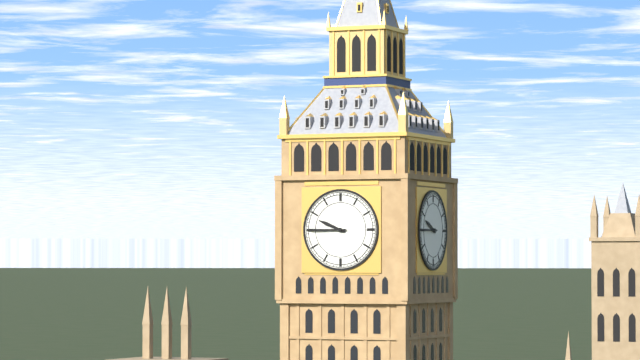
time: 9:45
